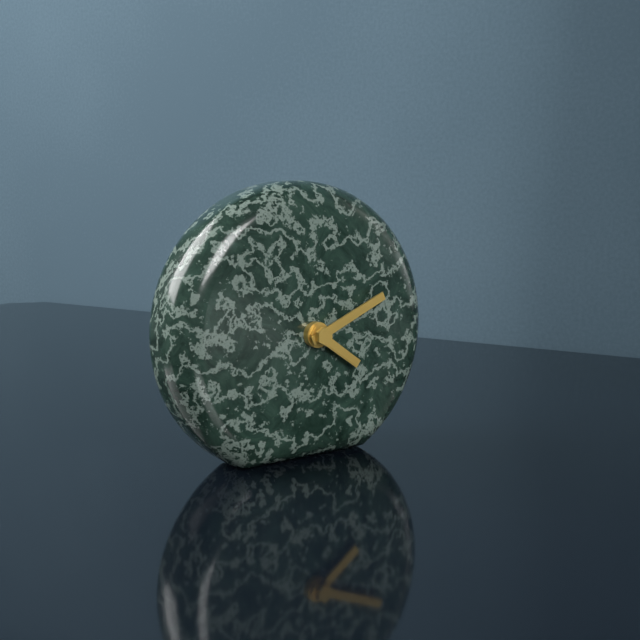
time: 4:11
